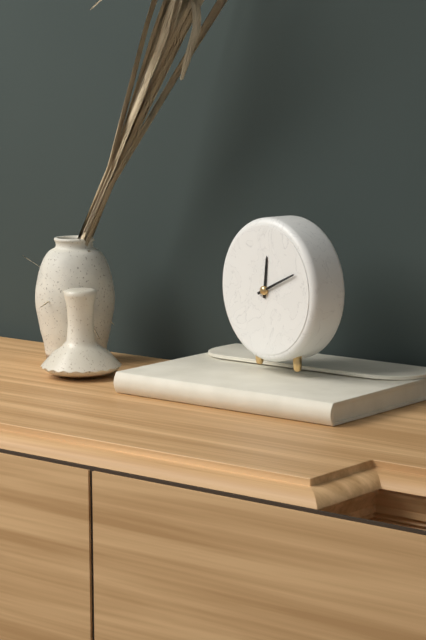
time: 12:11
